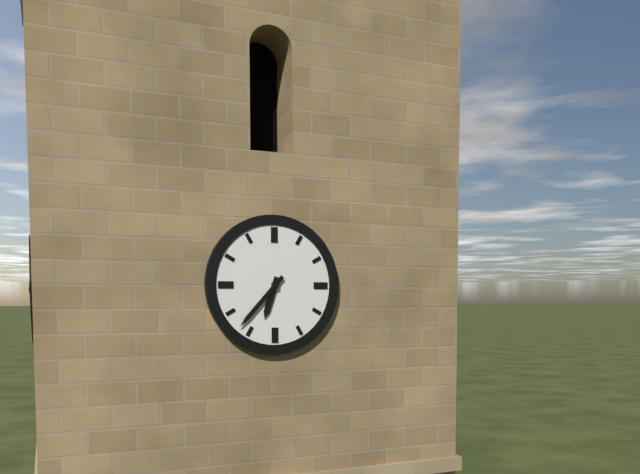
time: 6:37
